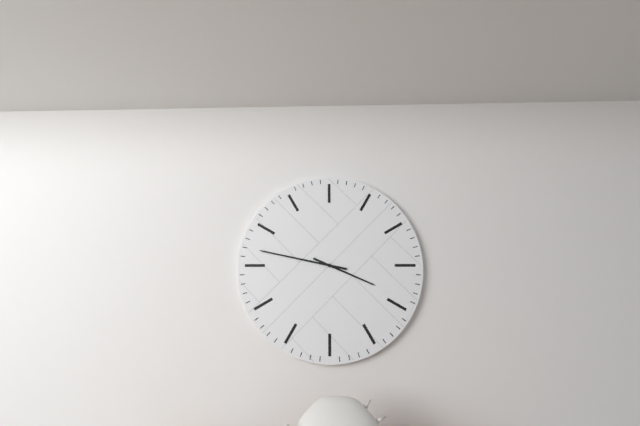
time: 3:47
